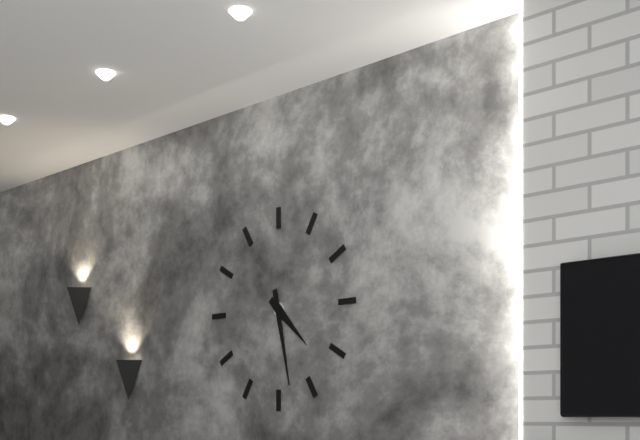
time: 4:28
